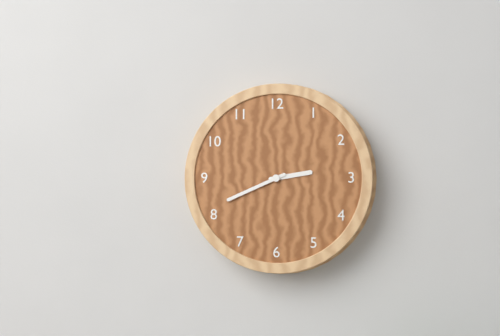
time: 2:41
